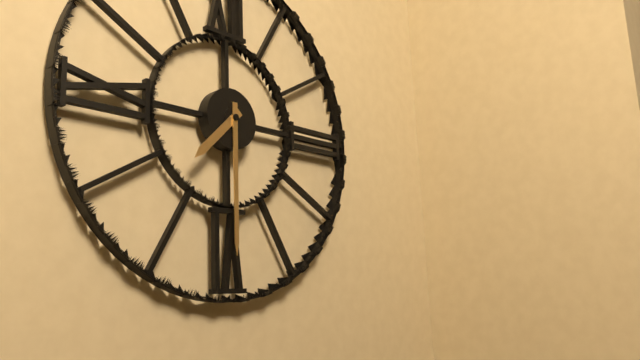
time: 7:30
